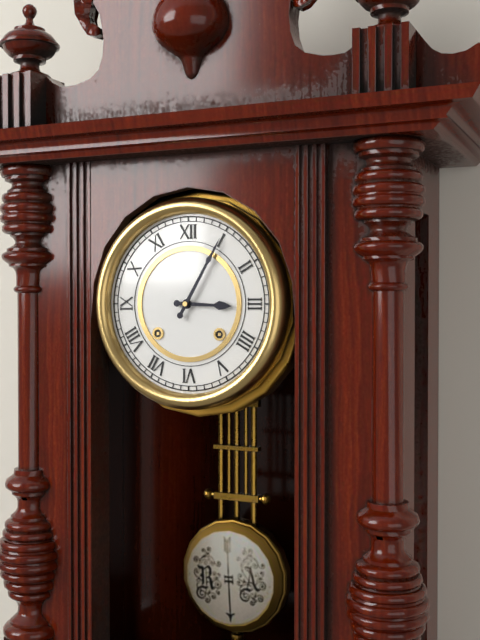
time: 3:05
